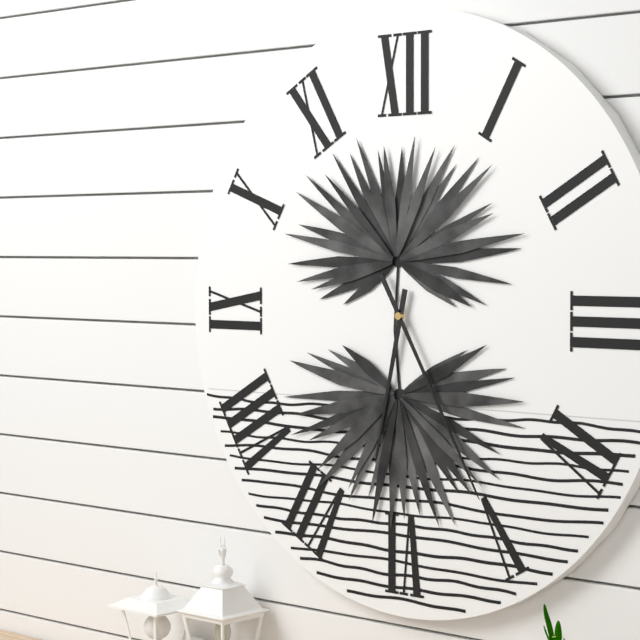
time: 6:25
